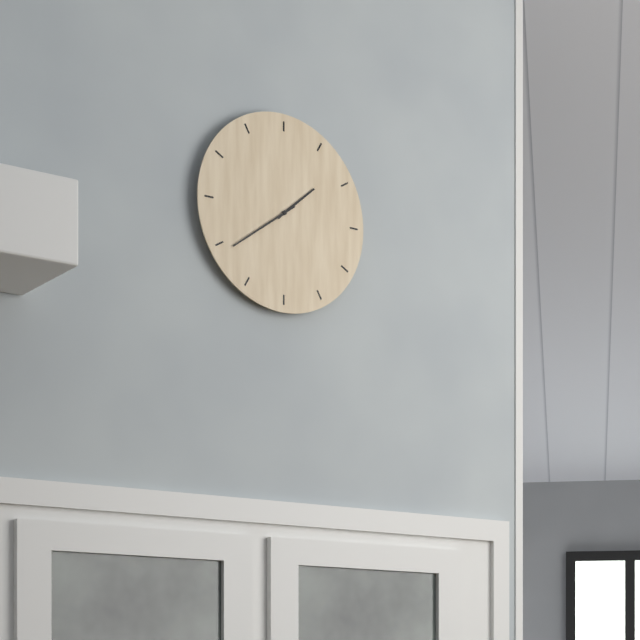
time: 1:39
